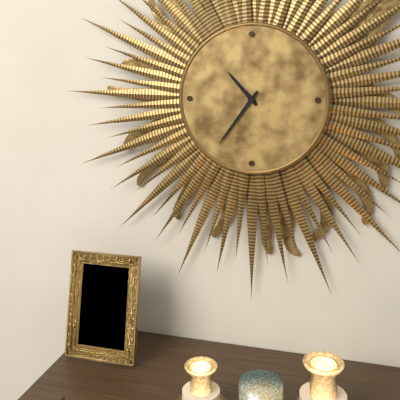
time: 10:36
